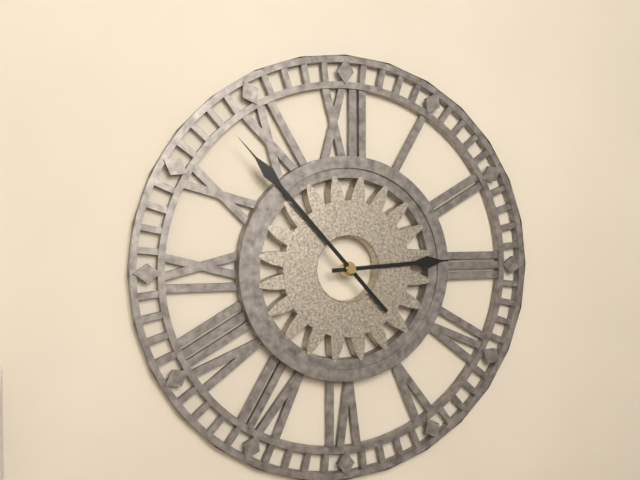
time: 2:53
